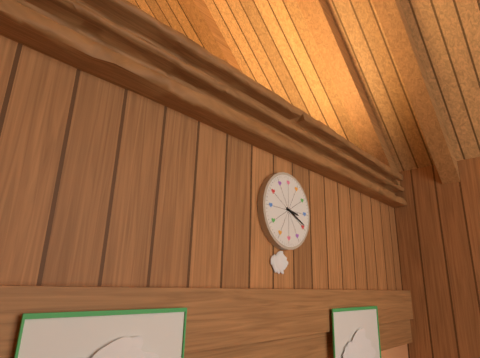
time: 3:19
